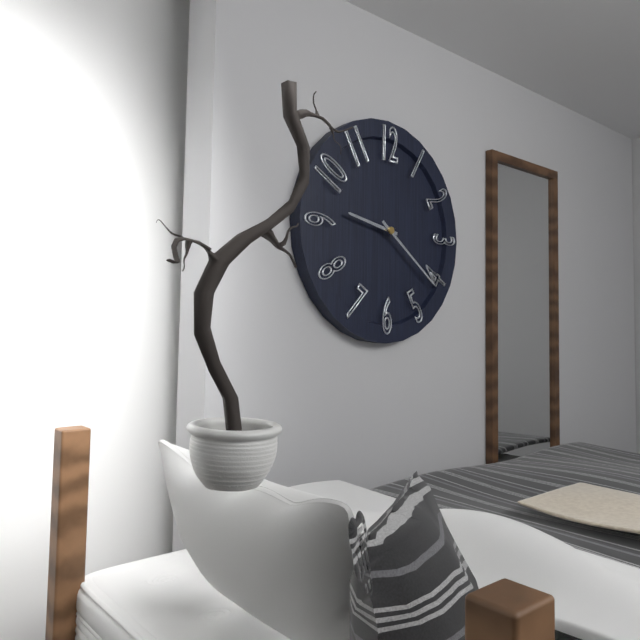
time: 9:21
